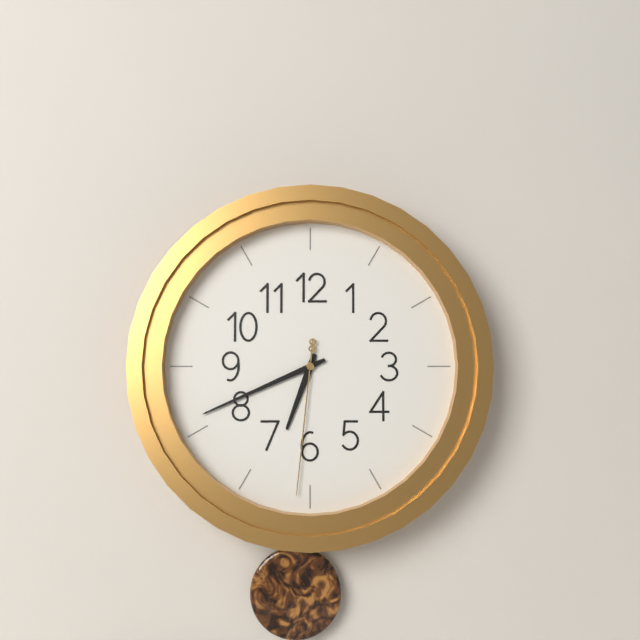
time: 6:41:31
